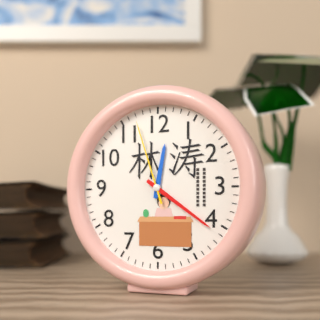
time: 12:21:57
